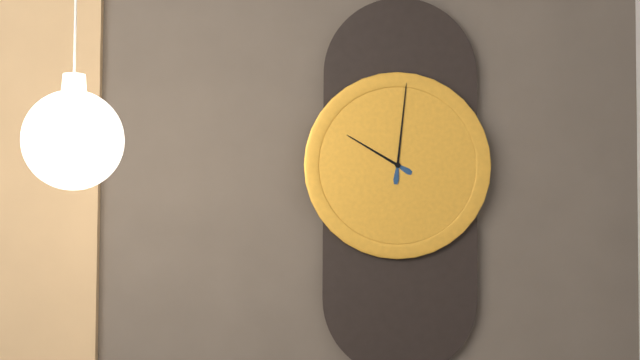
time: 10:01
